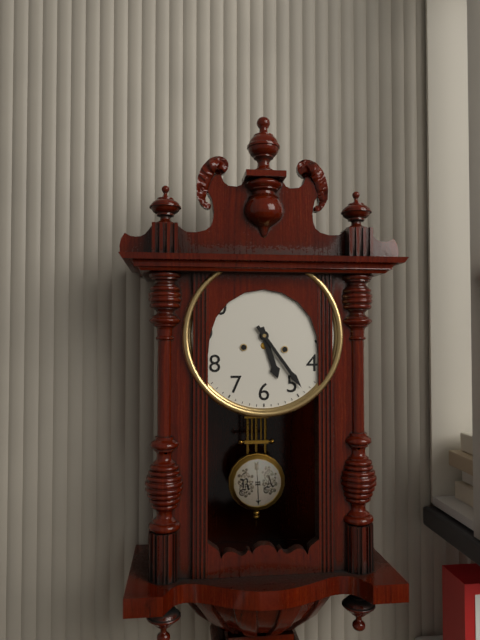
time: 5:24
